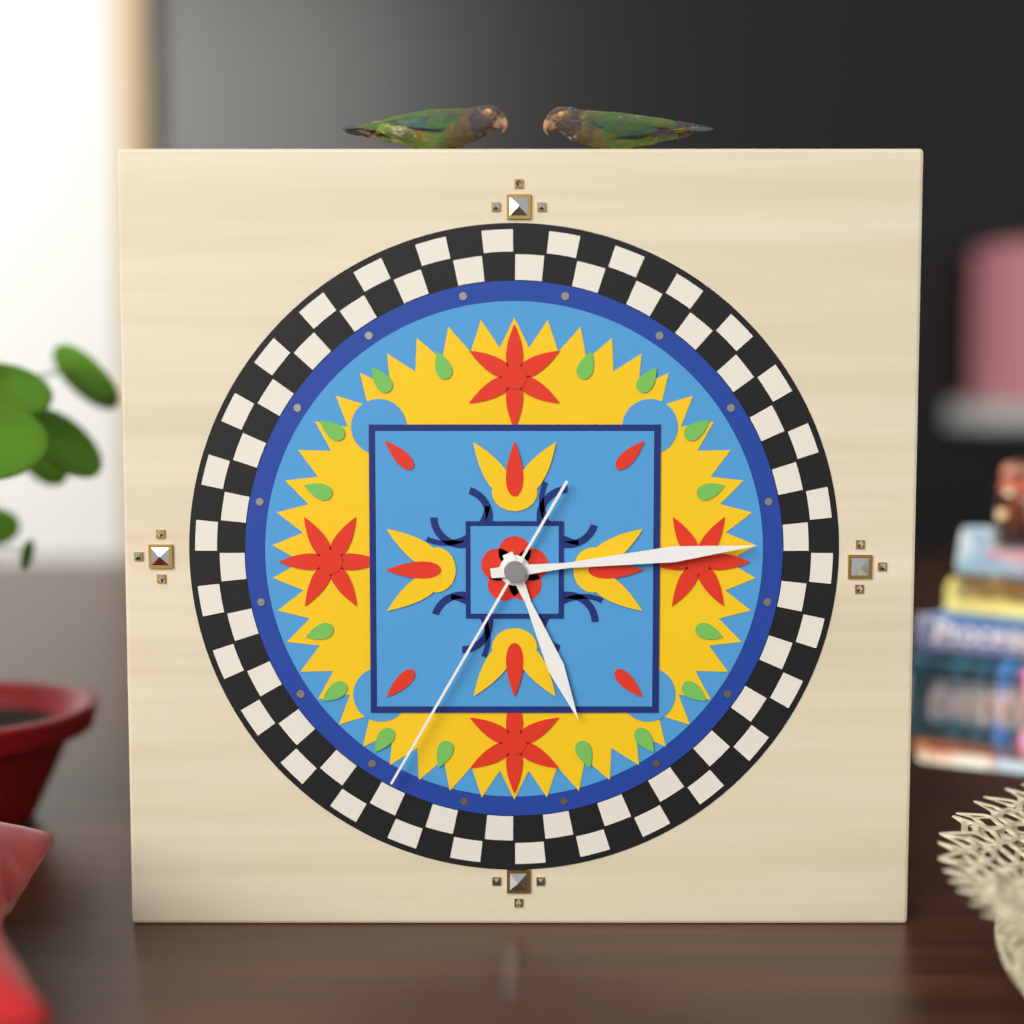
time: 5:14:35
